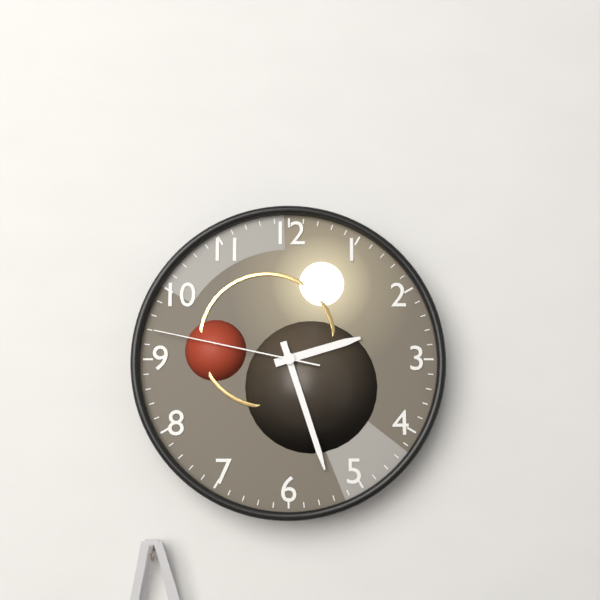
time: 2:27:47
